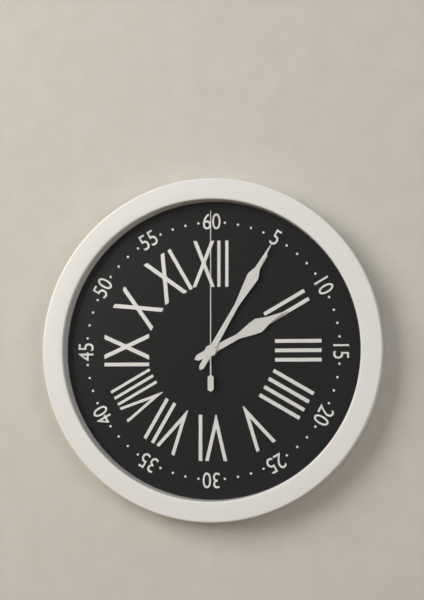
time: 2:05:00
